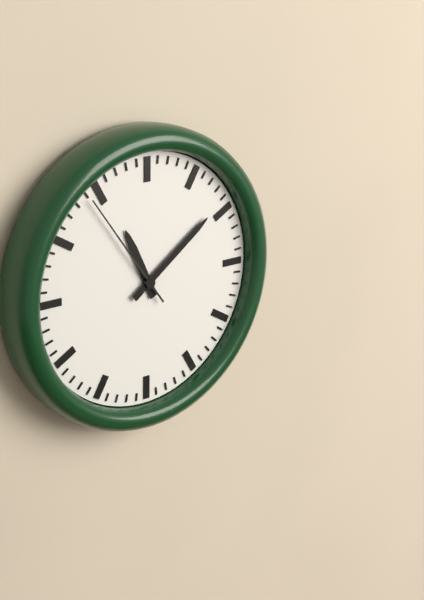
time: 11:09:54
